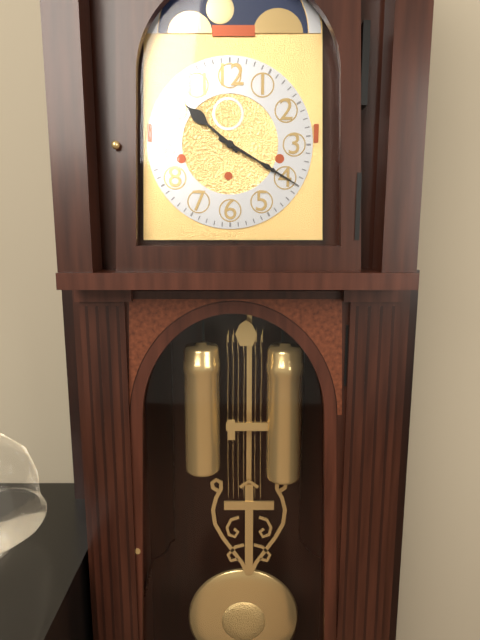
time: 10:20
